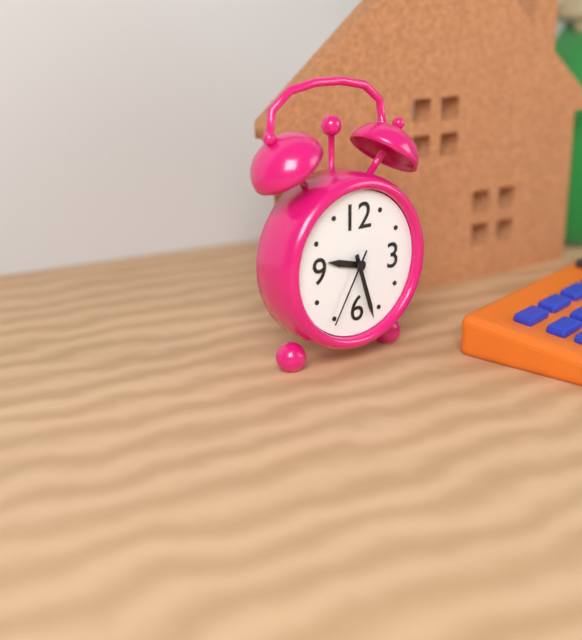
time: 9:27:35
